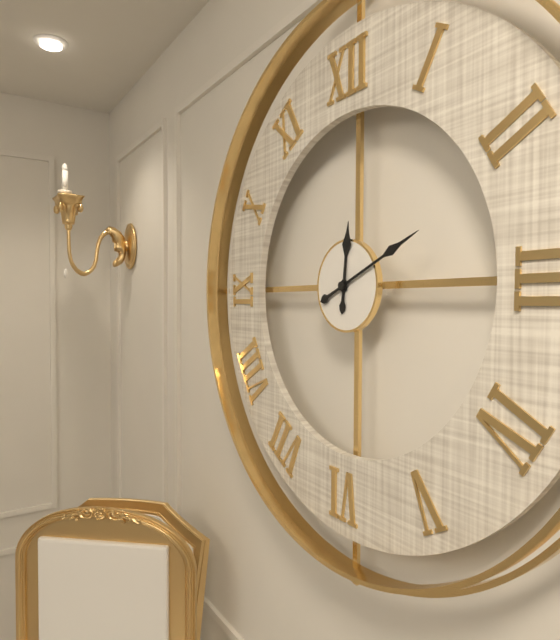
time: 12:11
